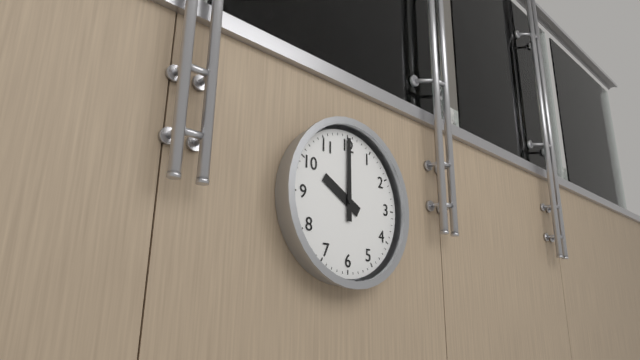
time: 10:00
